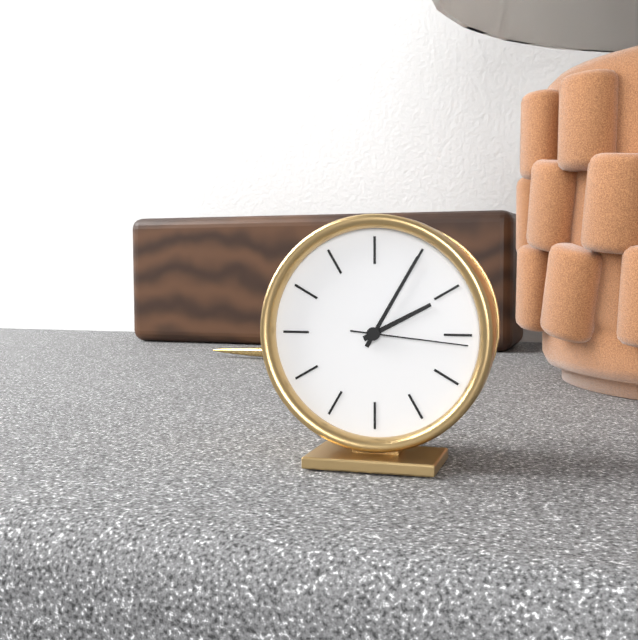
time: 2:05:16
